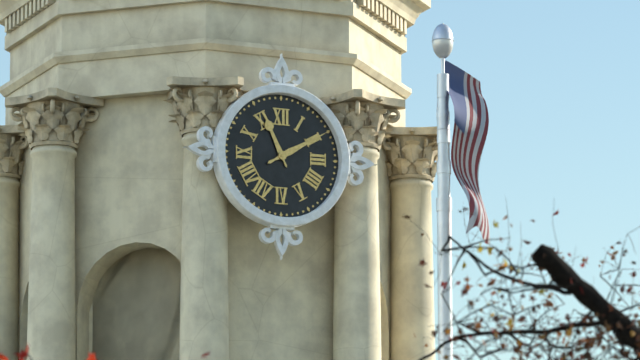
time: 11:10
